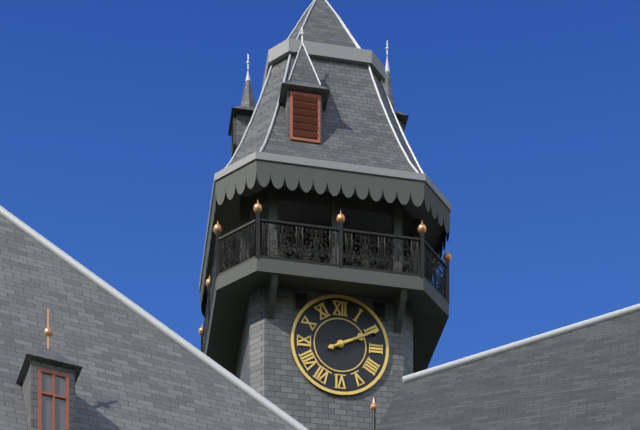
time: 2:11
